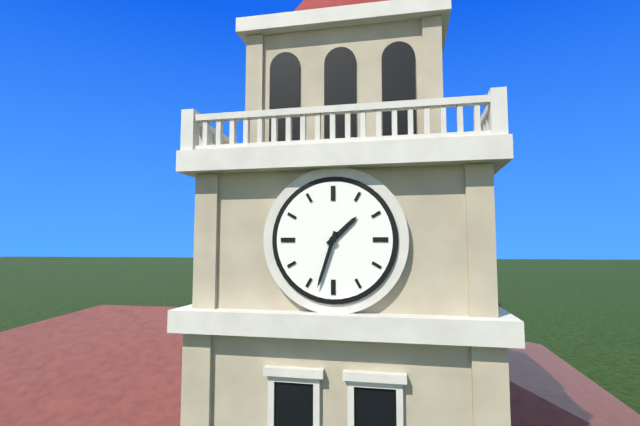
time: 1:33
